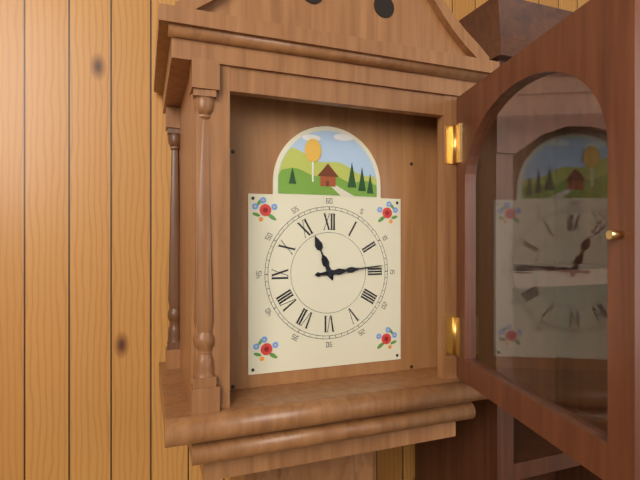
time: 11:14
